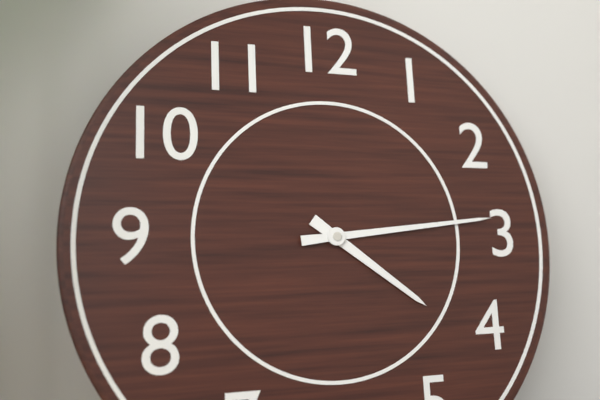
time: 4:14
